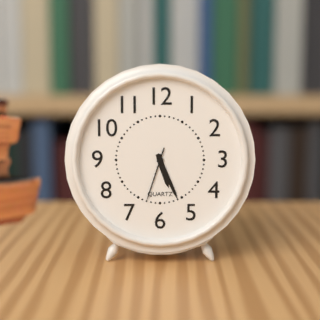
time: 5:26:33
